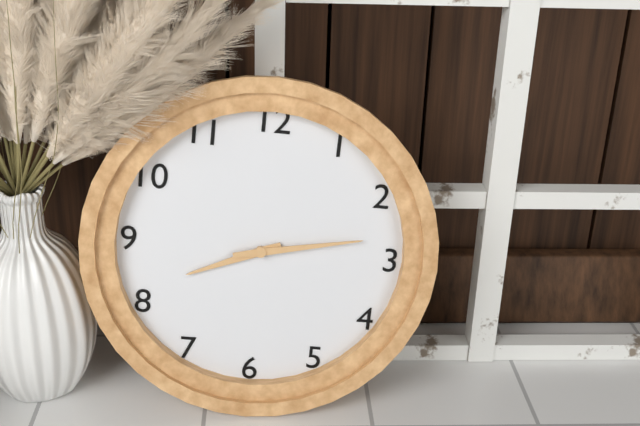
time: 8:13
